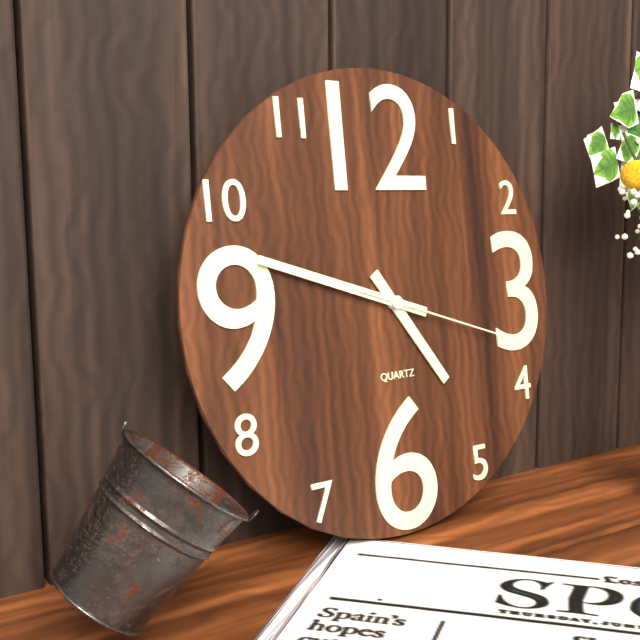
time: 4:48:18
